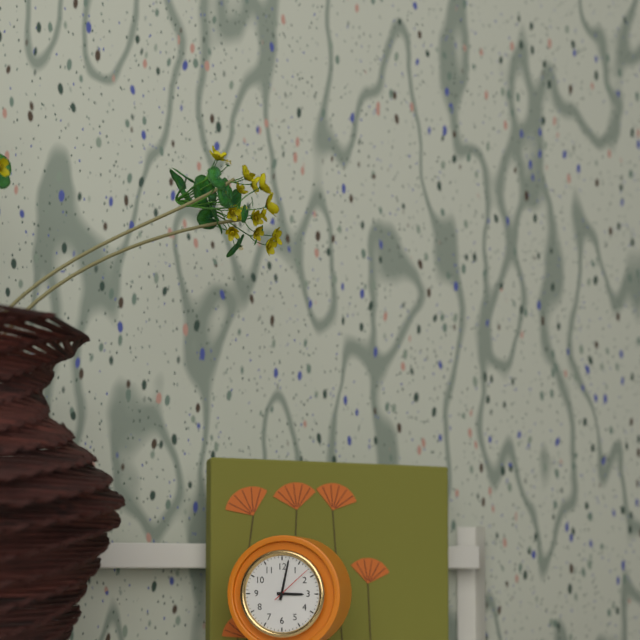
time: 3:02
